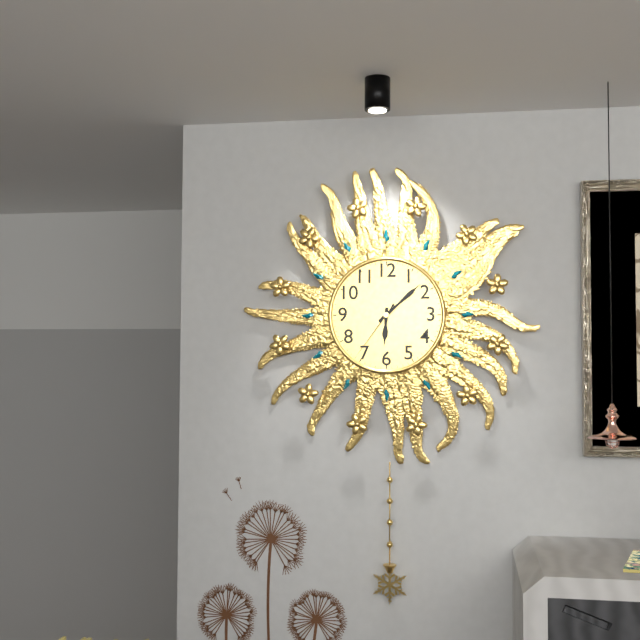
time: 6:08:36
